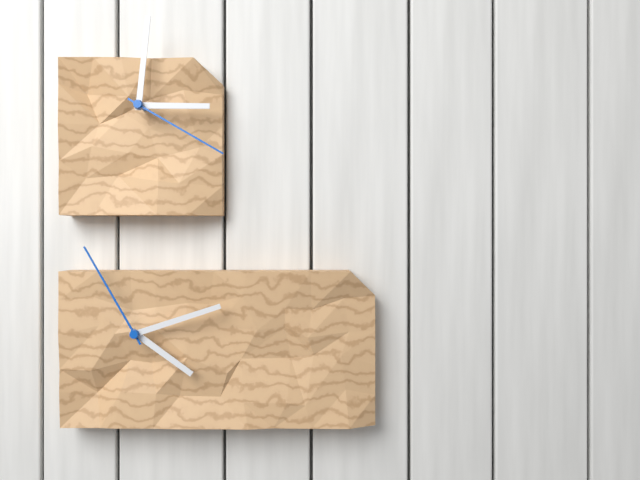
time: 3:01:20
